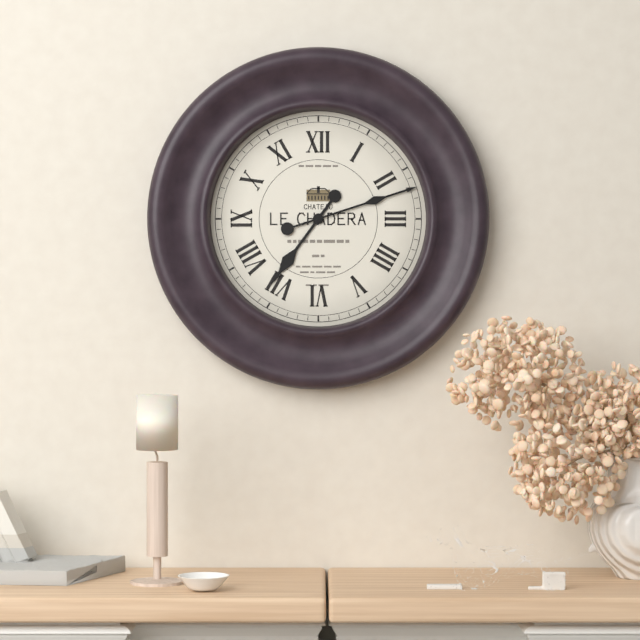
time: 7:12
